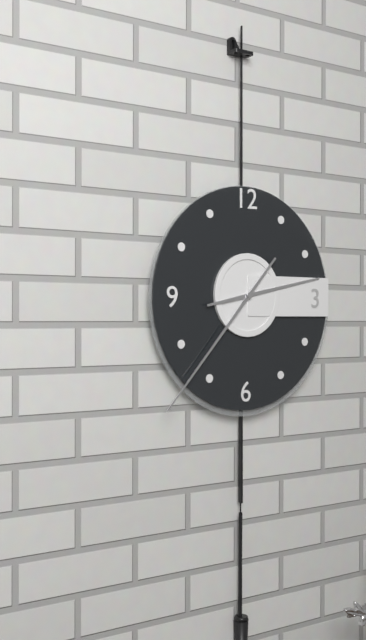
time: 2:37
